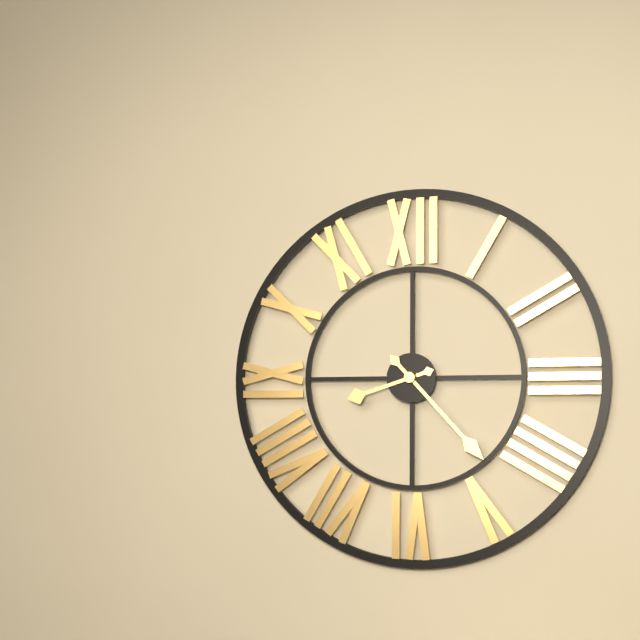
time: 8:23
